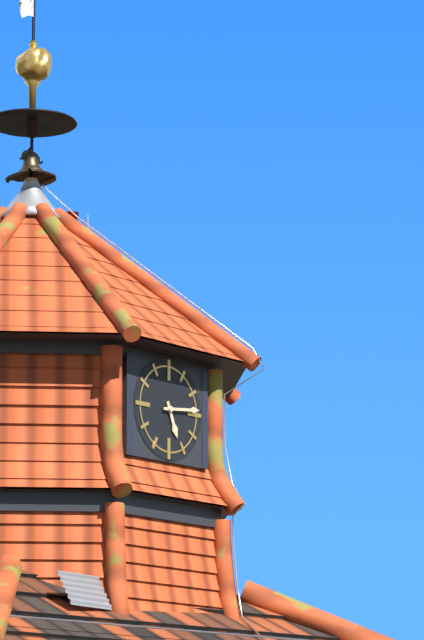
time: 5:14
